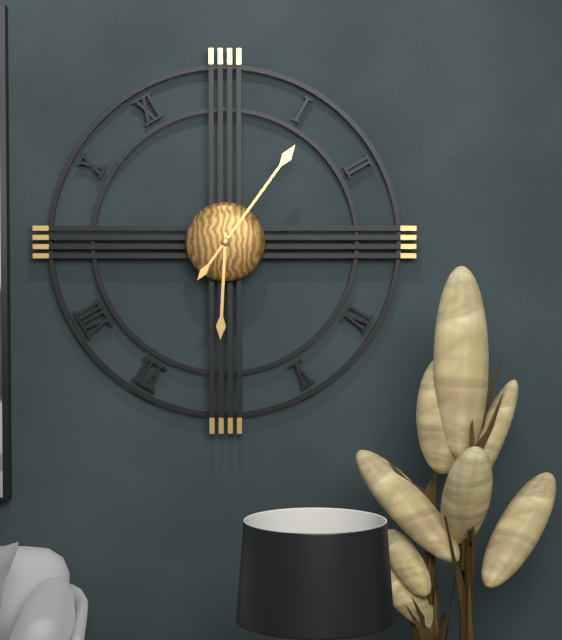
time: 6:06
